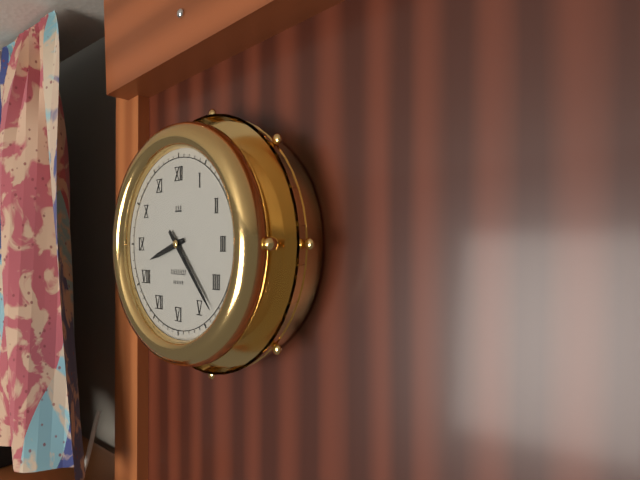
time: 8:23
